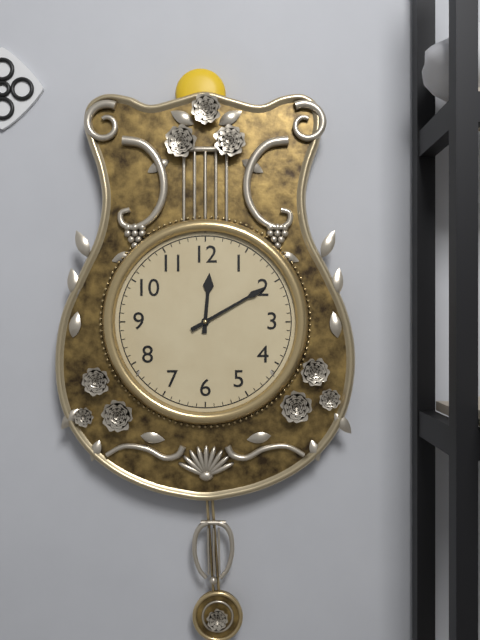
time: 12:10
